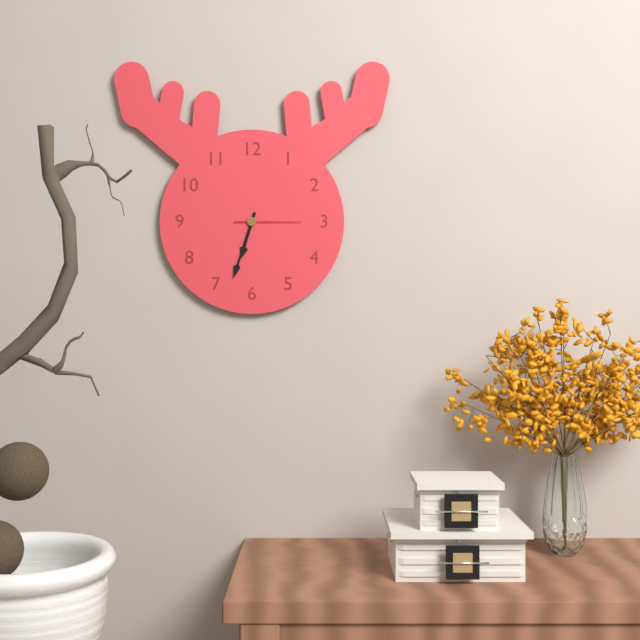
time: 6:33:15
